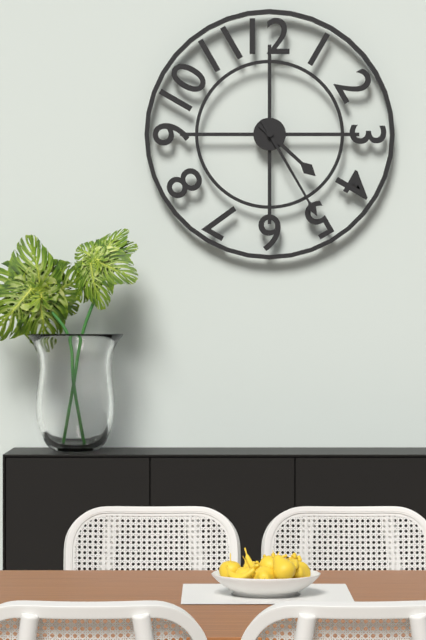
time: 4:25
